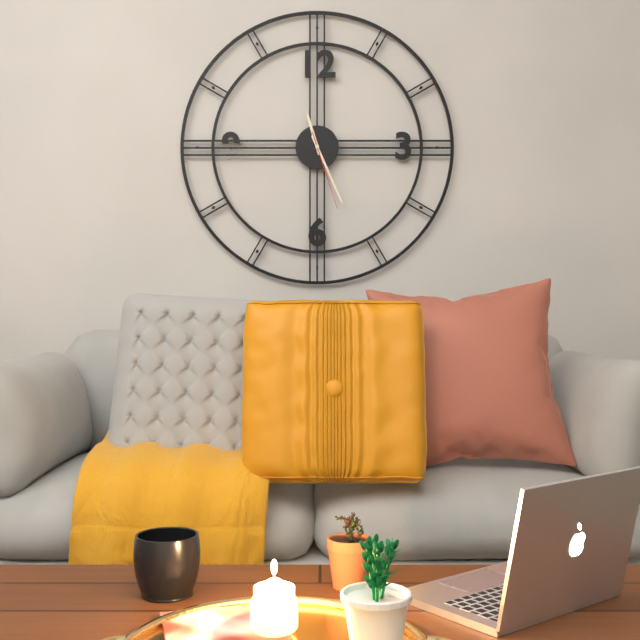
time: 11:26:27
